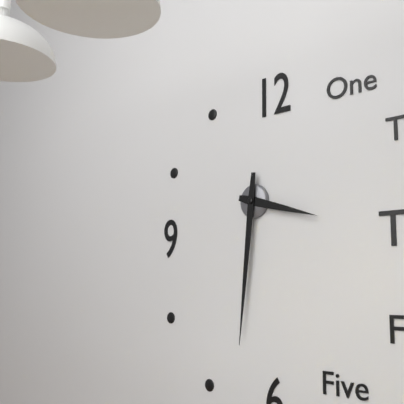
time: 3:31
